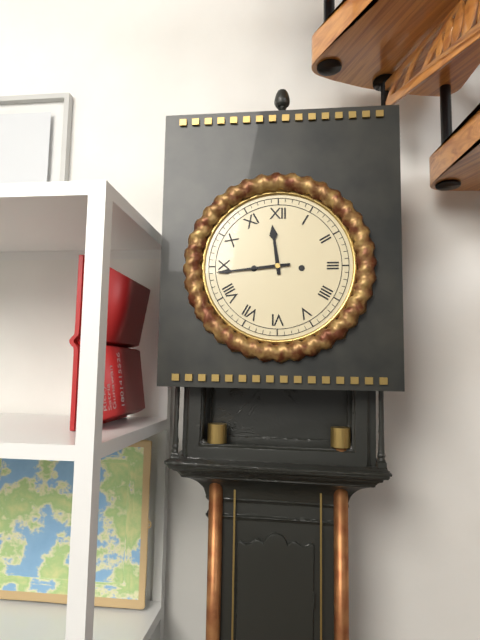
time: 11:44
